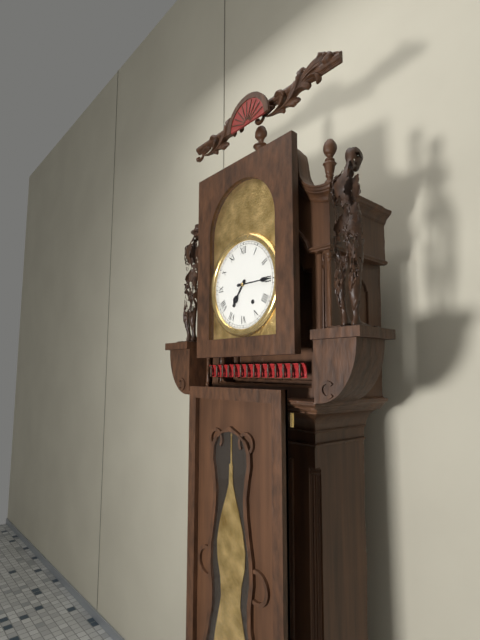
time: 7:15
